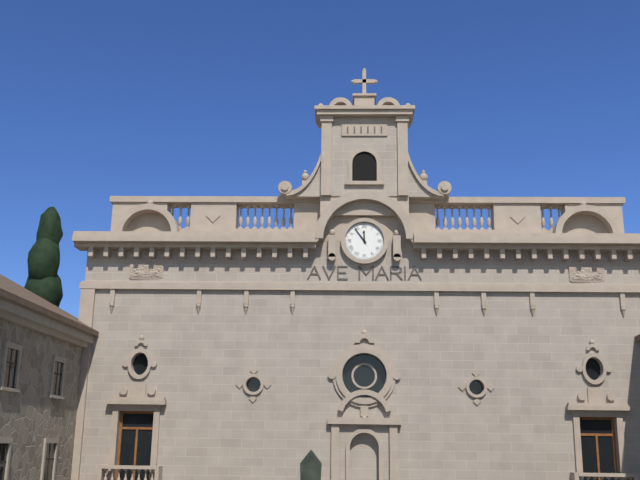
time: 11:54
